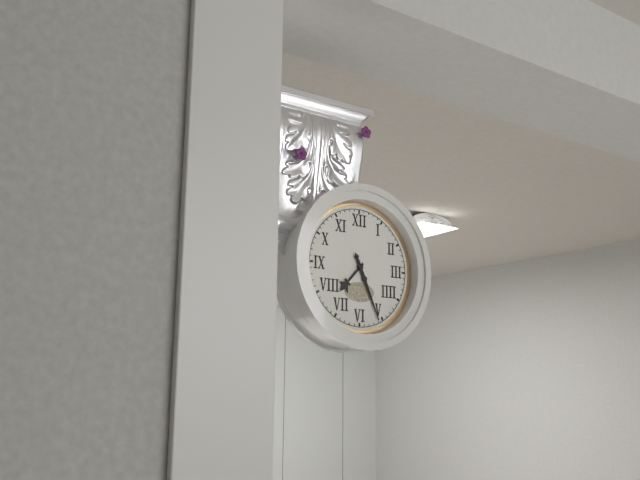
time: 7:26
